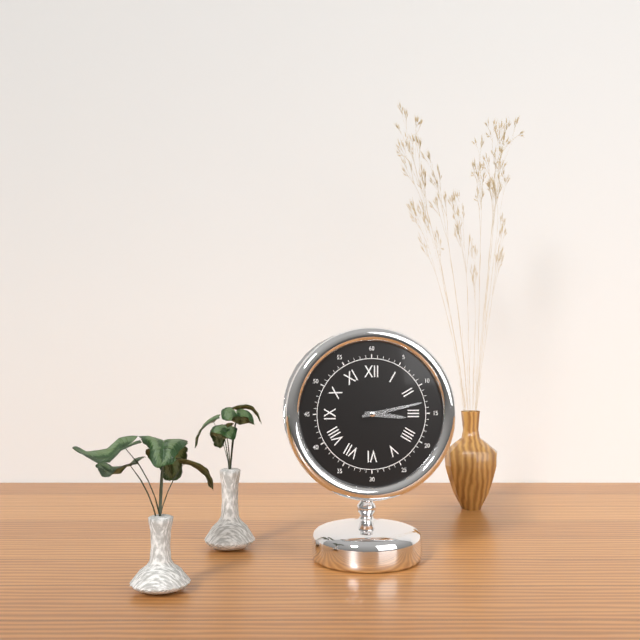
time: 3:13
